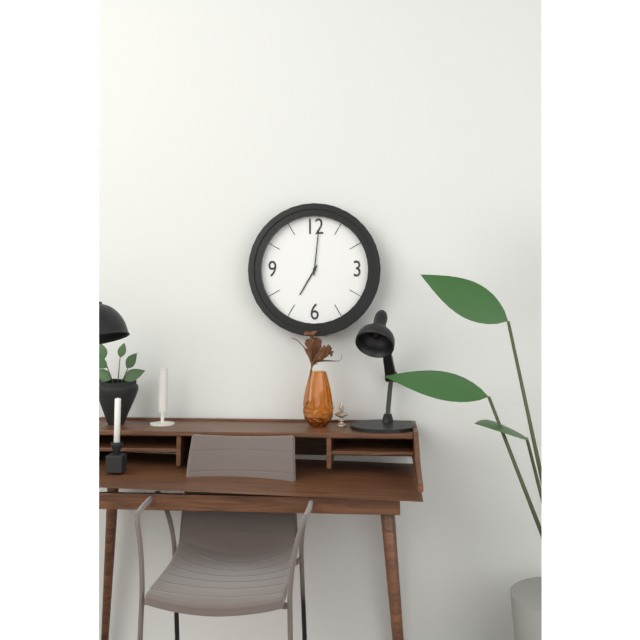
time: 7:01
